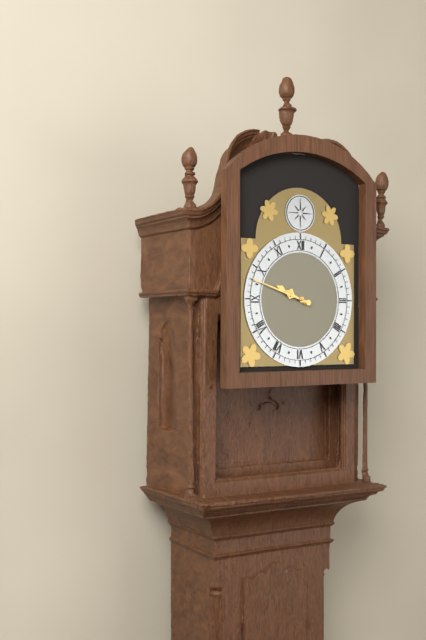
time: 9:48
